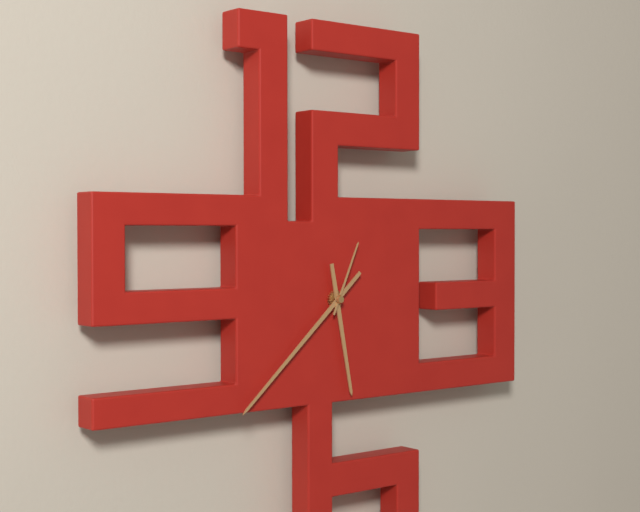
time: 5:38:04
